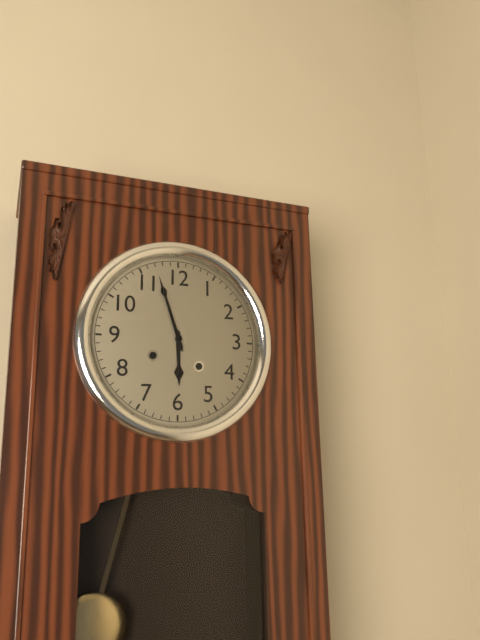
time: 5:57
